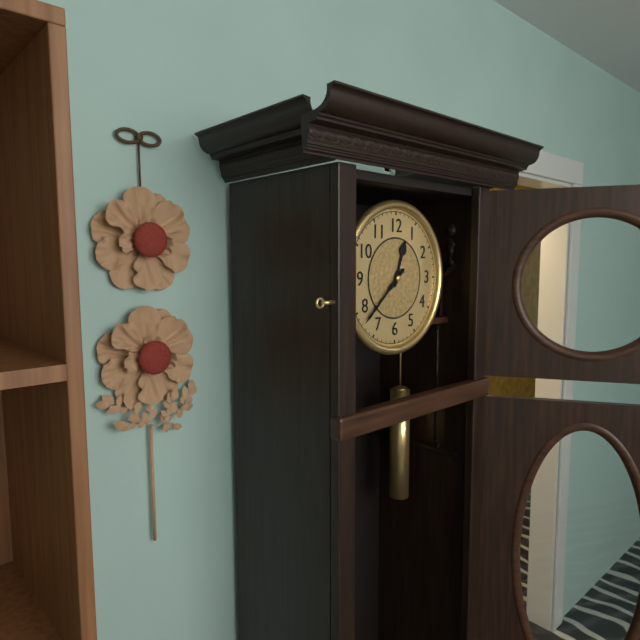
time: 12:38
